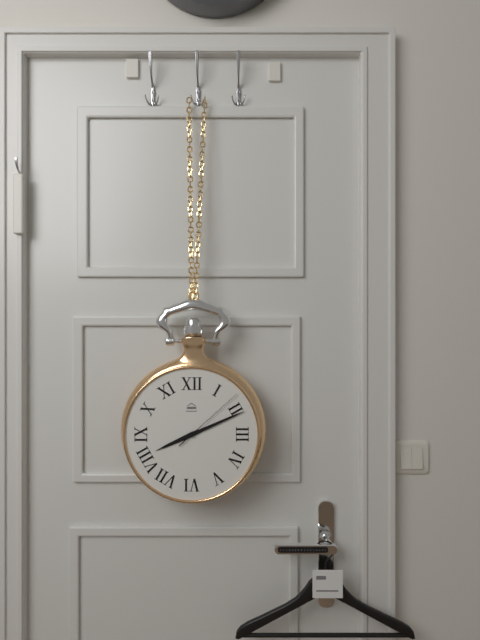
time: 8:11:08
